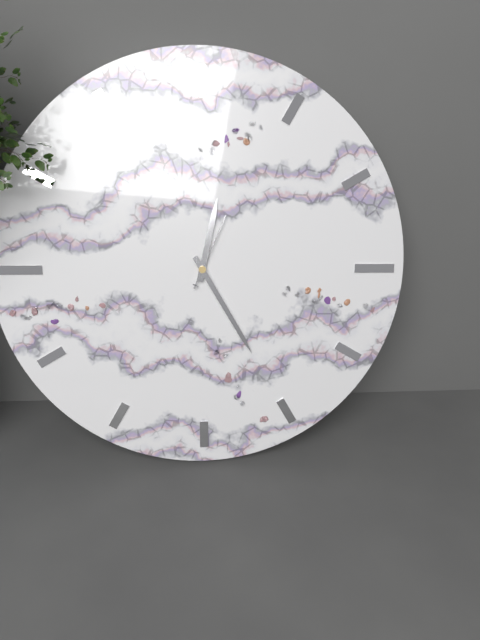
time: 12:25:04
